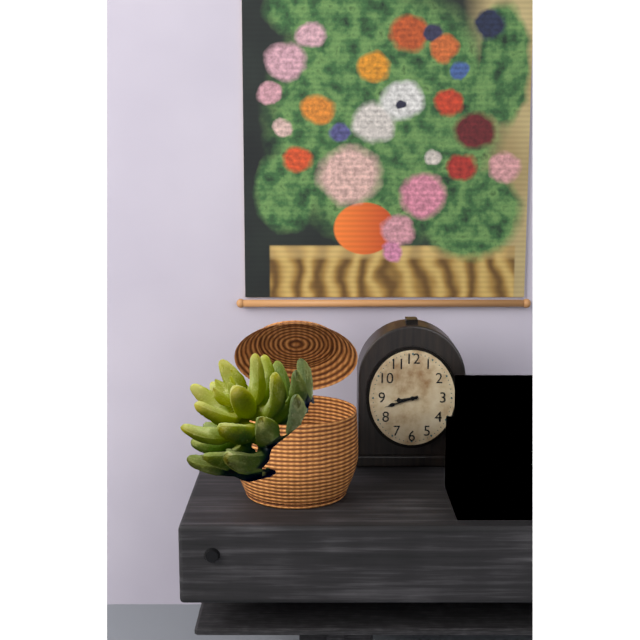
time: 8:42
